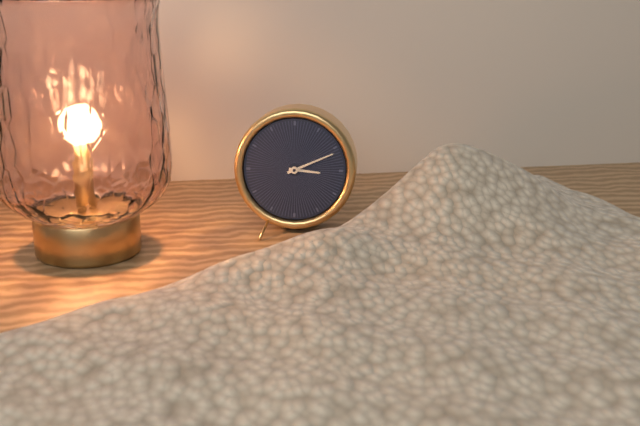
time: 3:11
